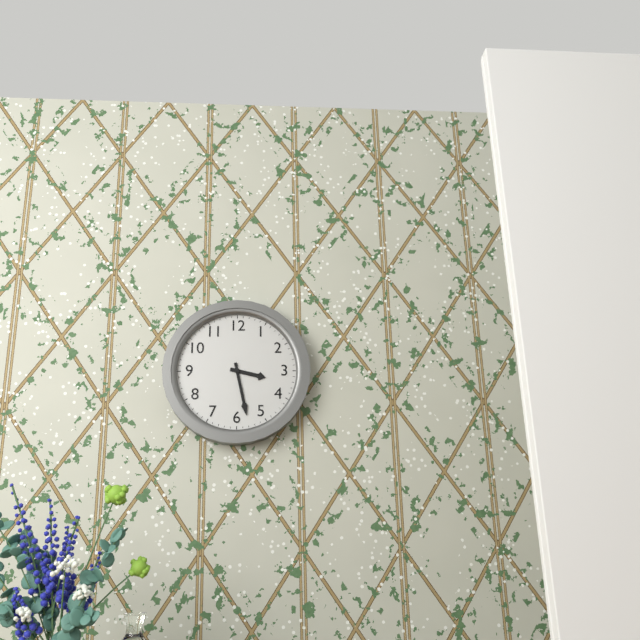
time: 3:28
